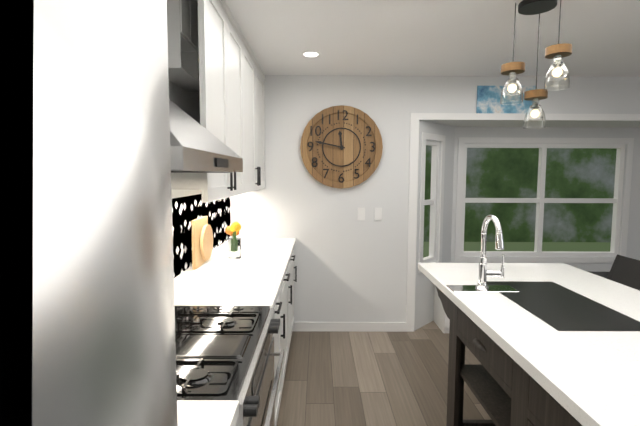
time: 11:47
